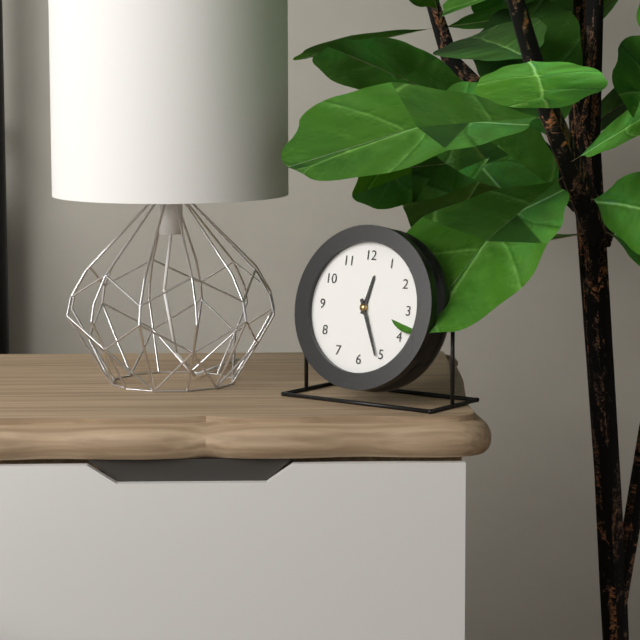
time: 12:26
